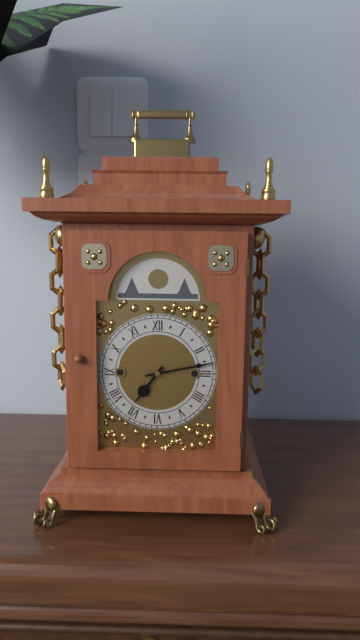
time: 7:13
